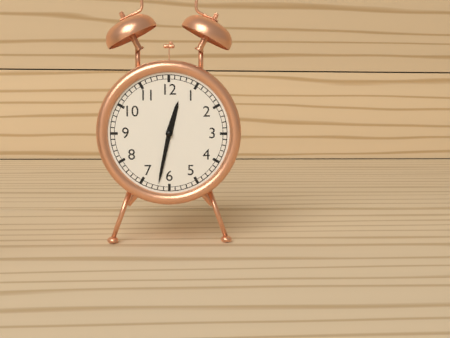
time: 12:32
